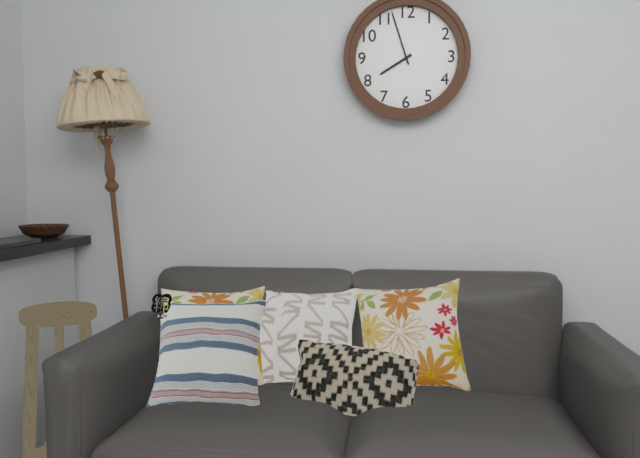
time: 7:57
